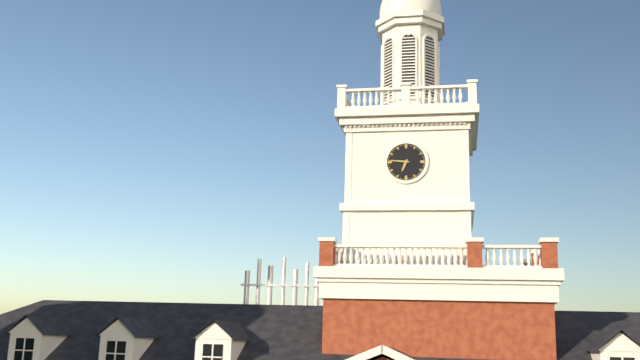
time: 6:46
